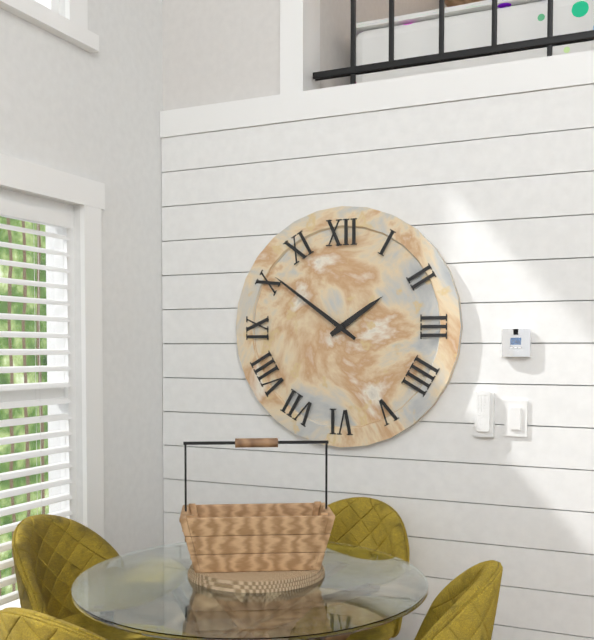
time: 1:51
